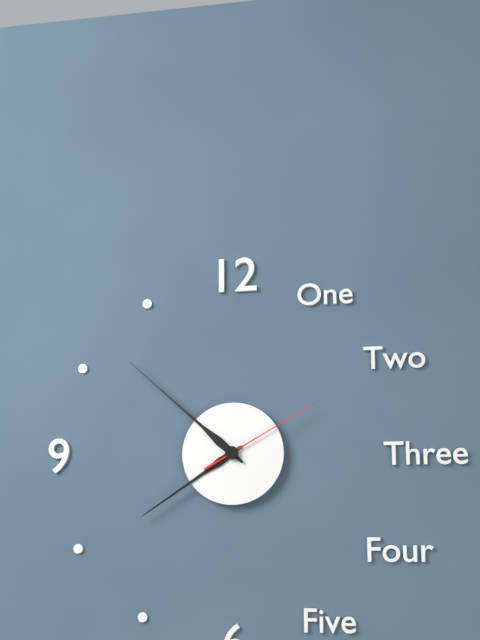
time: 7:52:10
